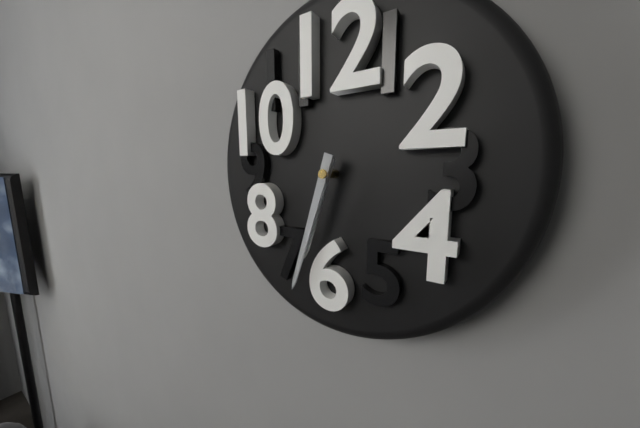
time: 6:33
